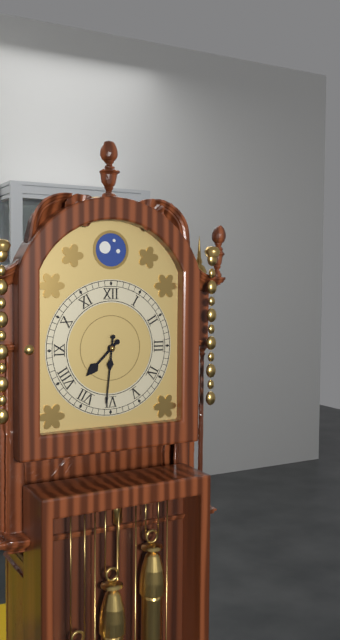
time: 7:31
